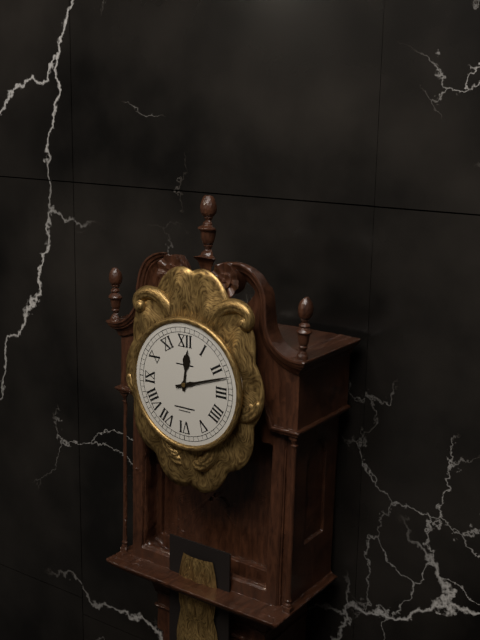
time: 12:12
